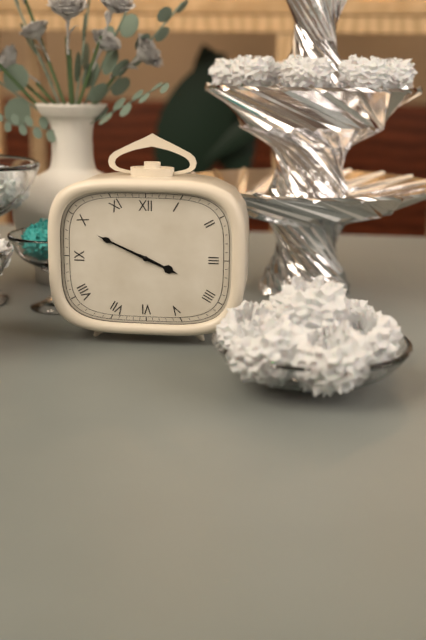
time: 3:49
